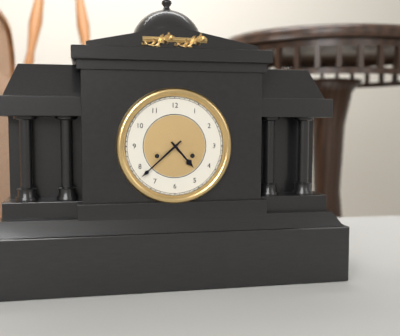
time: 4:38
